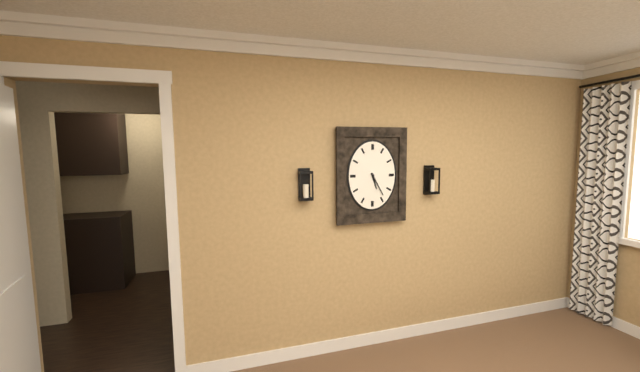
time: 5:25
